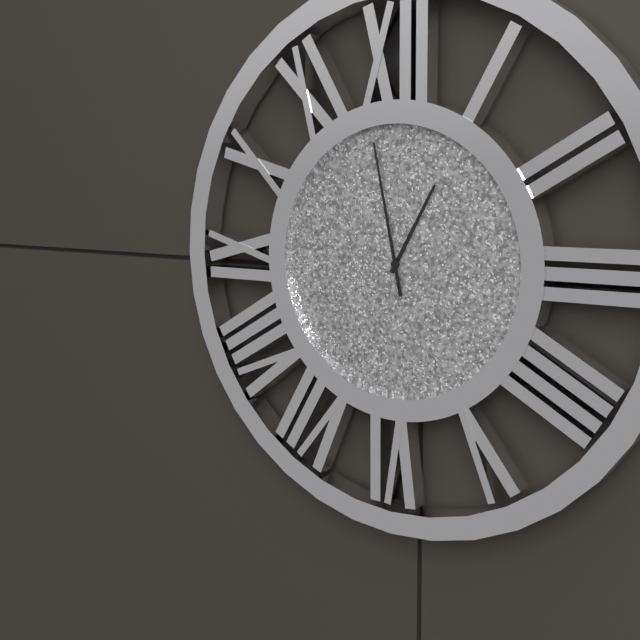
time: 12:58
